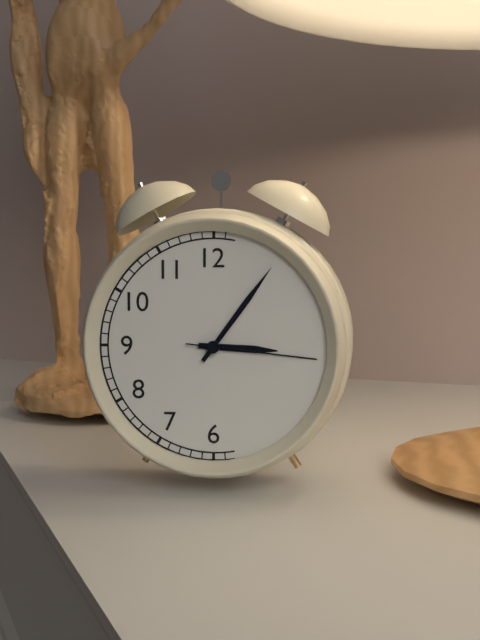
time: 3:06:16
